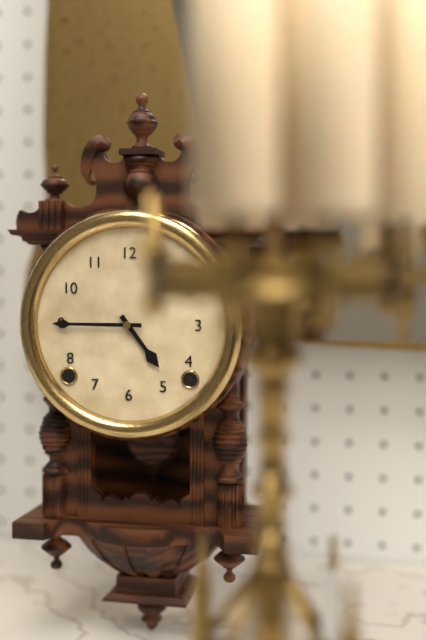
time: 4:45
